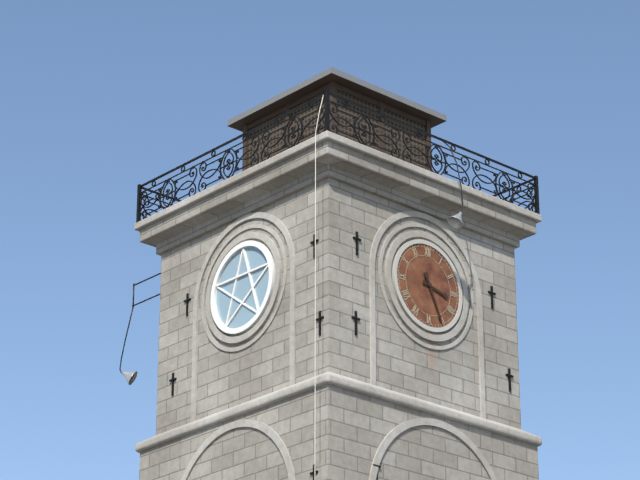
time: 3:26
